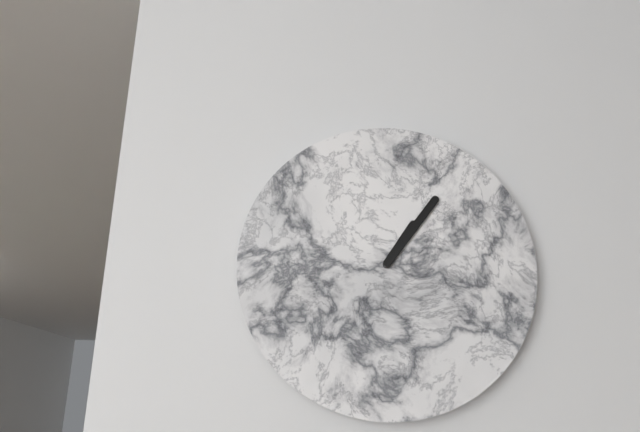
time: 1:06
